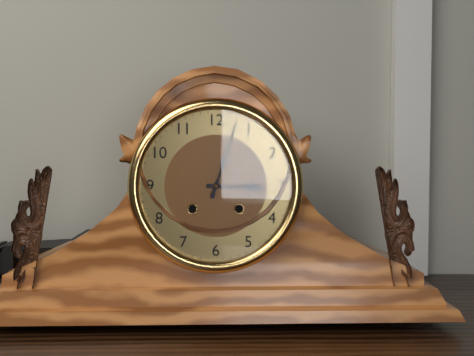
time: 3:03
